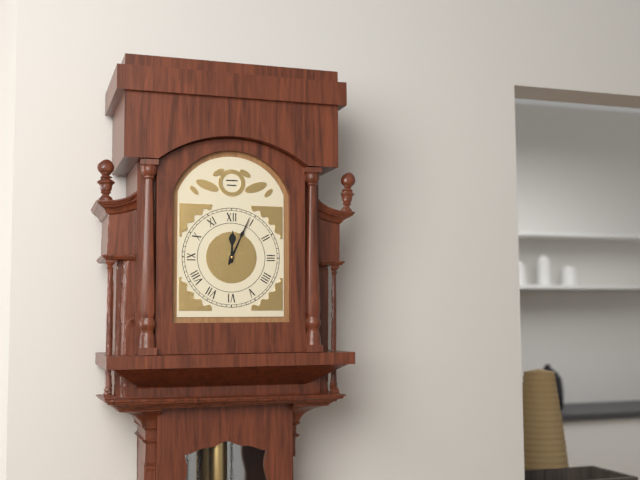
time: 12:04
